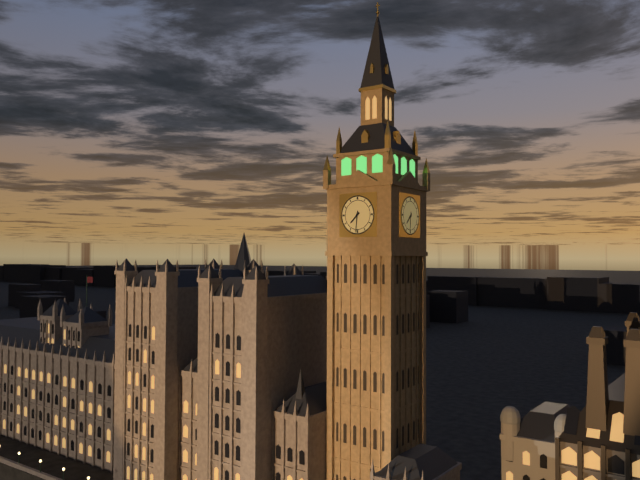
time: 7:31
